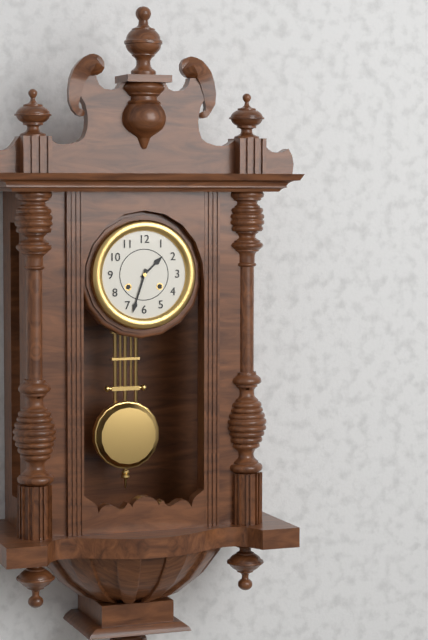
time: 1:33
